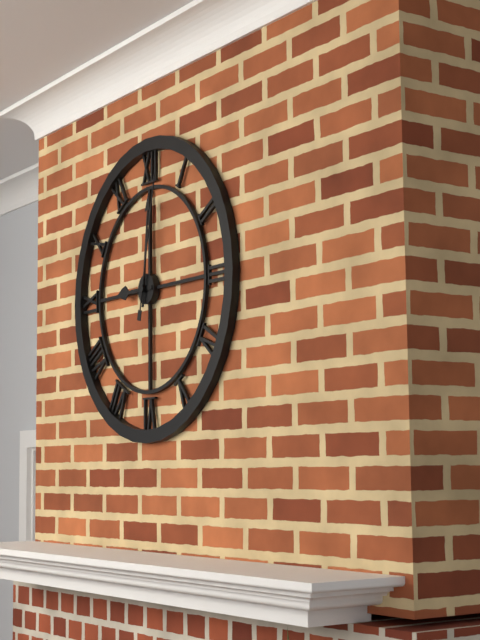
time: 9:01:02
